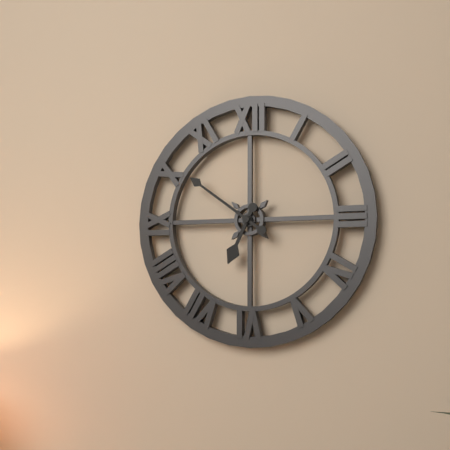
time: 6:51
